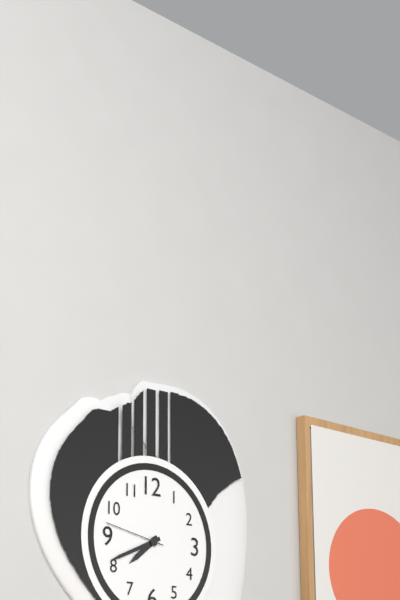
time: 7:41:47
